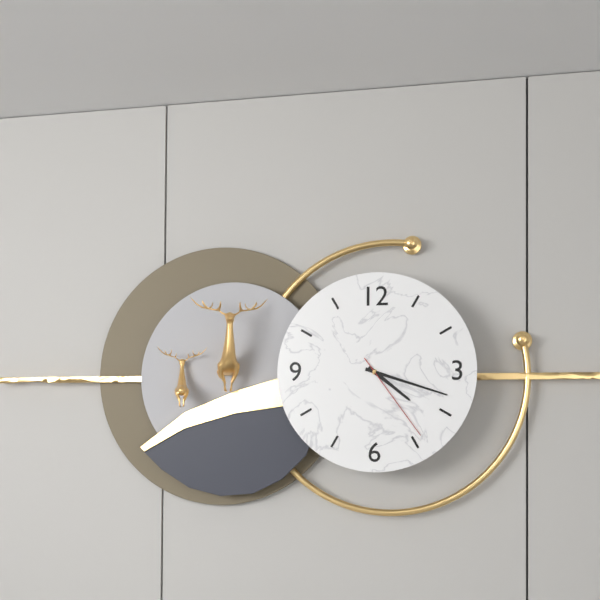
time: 4:18:24
